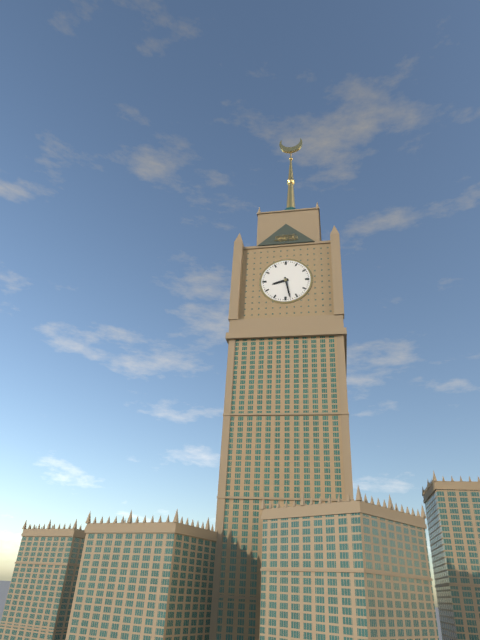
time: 8:28
